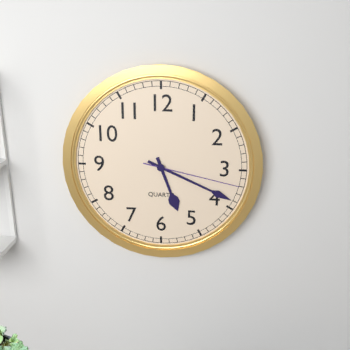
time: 5:19:17
